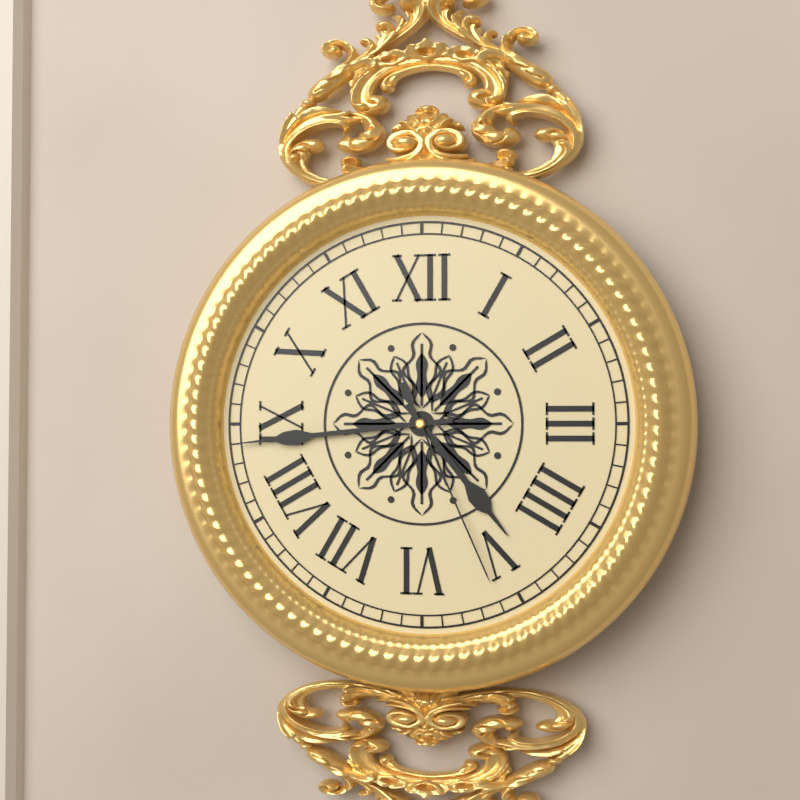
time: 4:44:26
